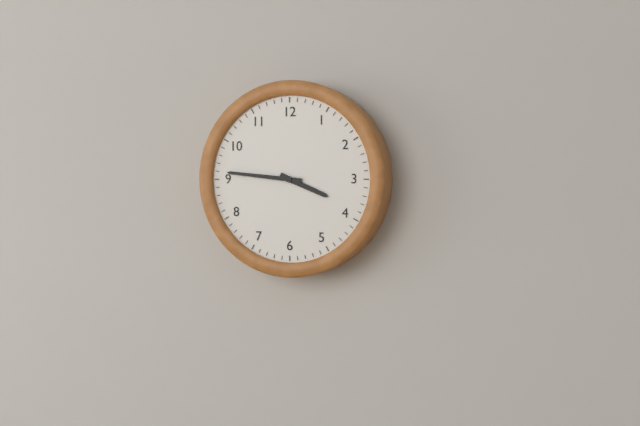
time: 3:46
